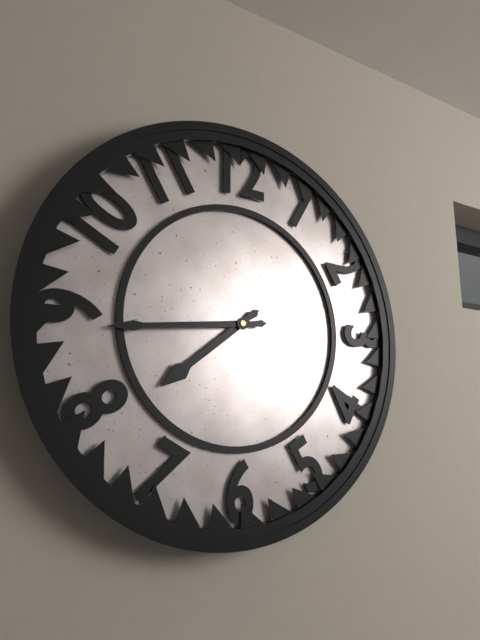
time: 7:44
